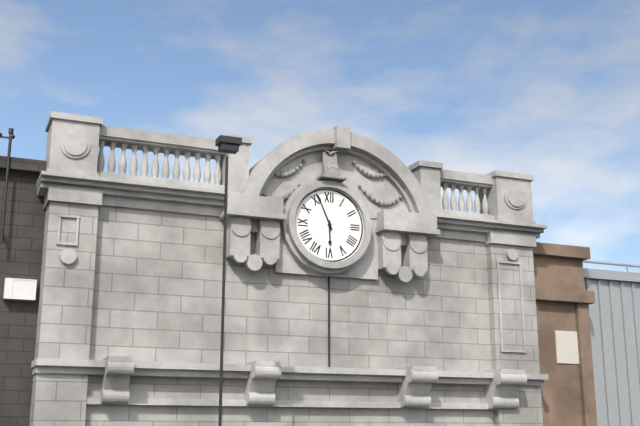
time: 5:56
